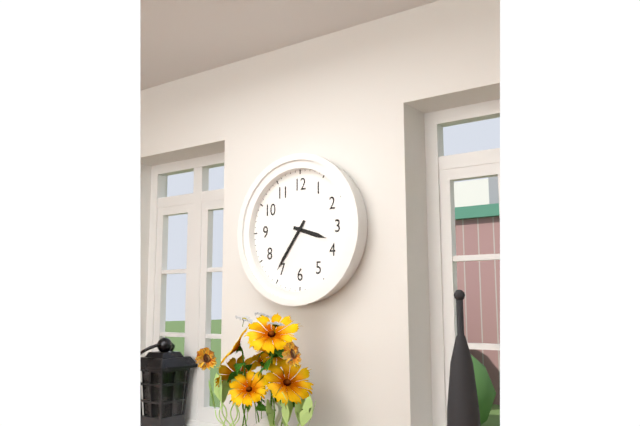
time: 3:36
